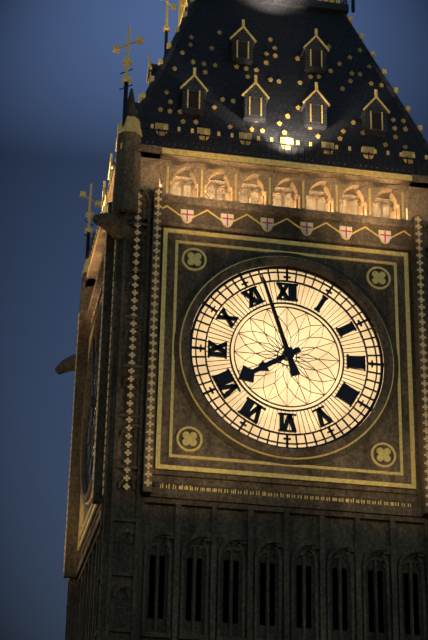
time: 7:57
